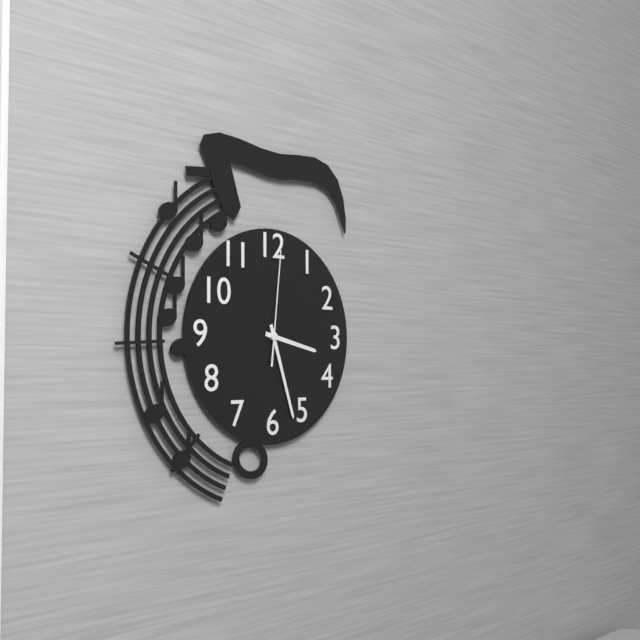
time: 3:27:01
